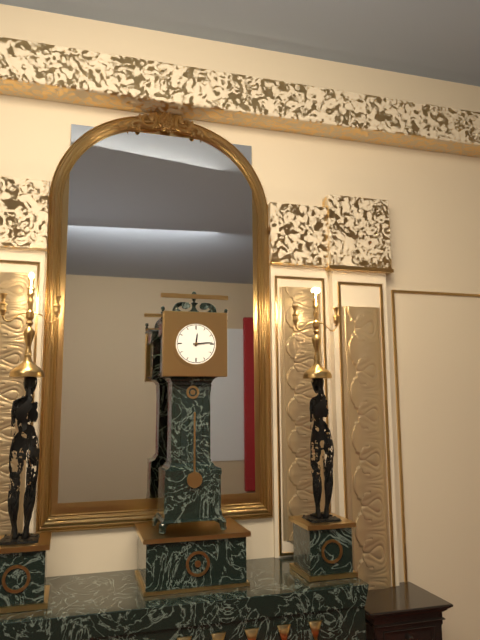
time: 12:14
